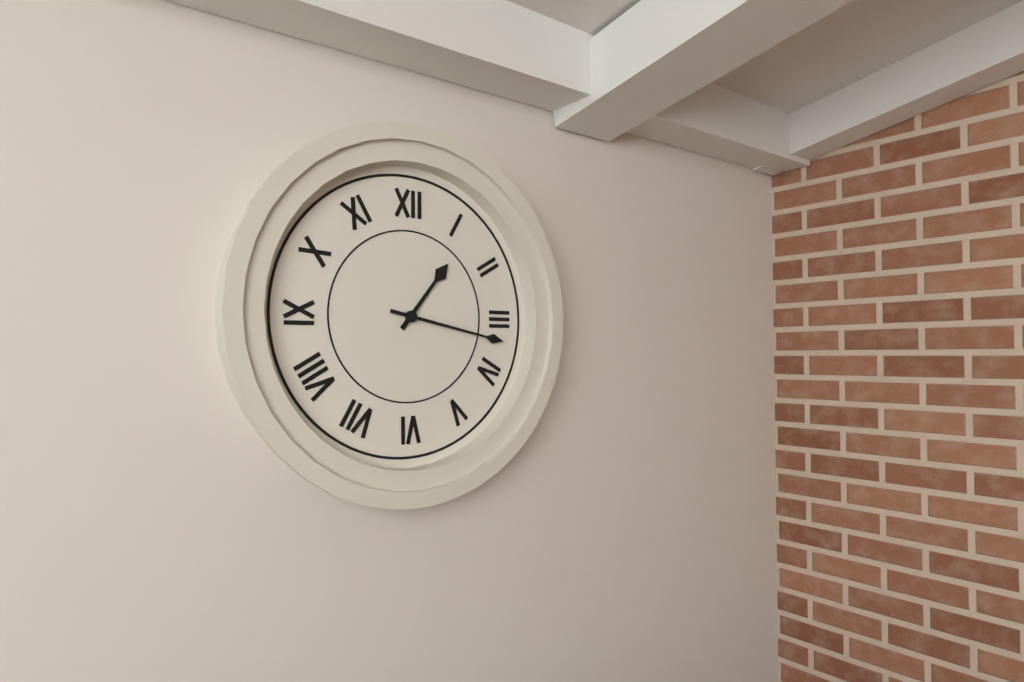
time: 1:17
